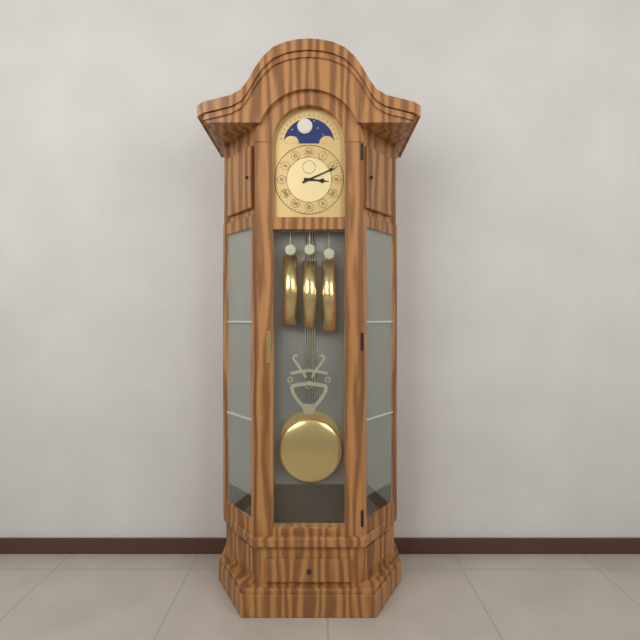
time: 3:11
